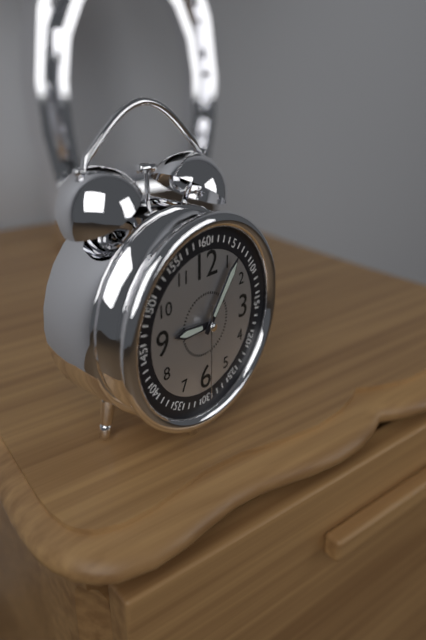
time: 9:06:30
